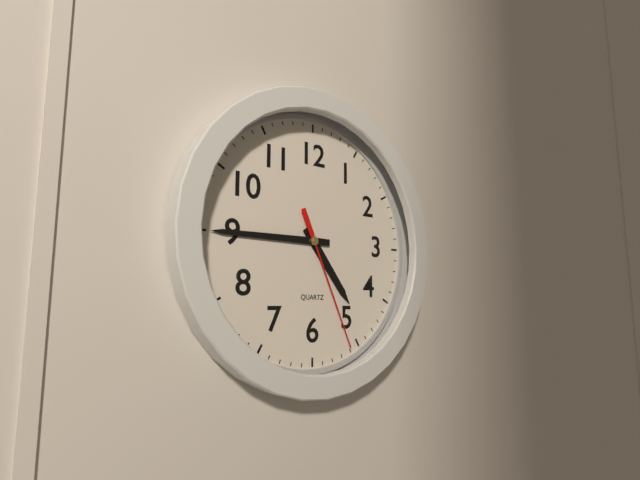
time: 4:45:26
